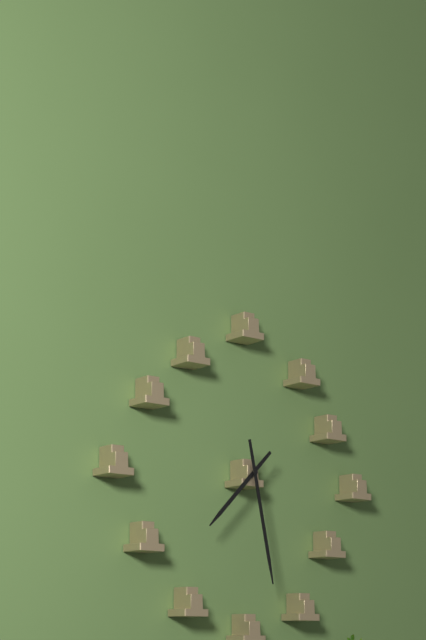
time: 7:28
